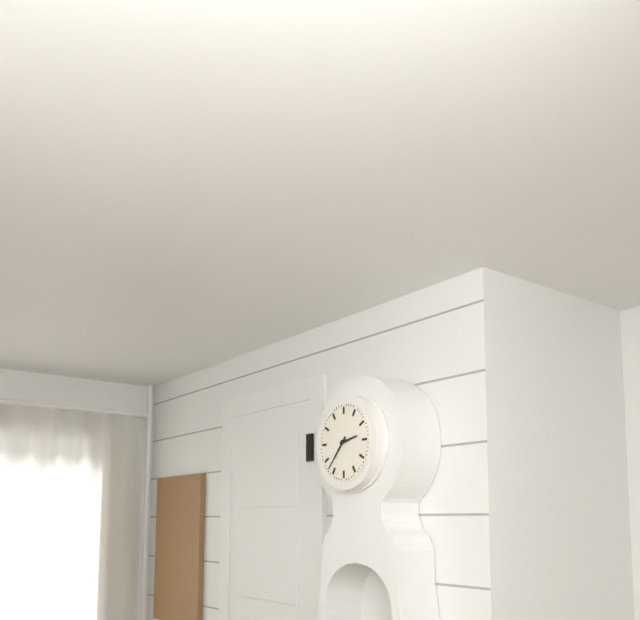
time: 2:37
